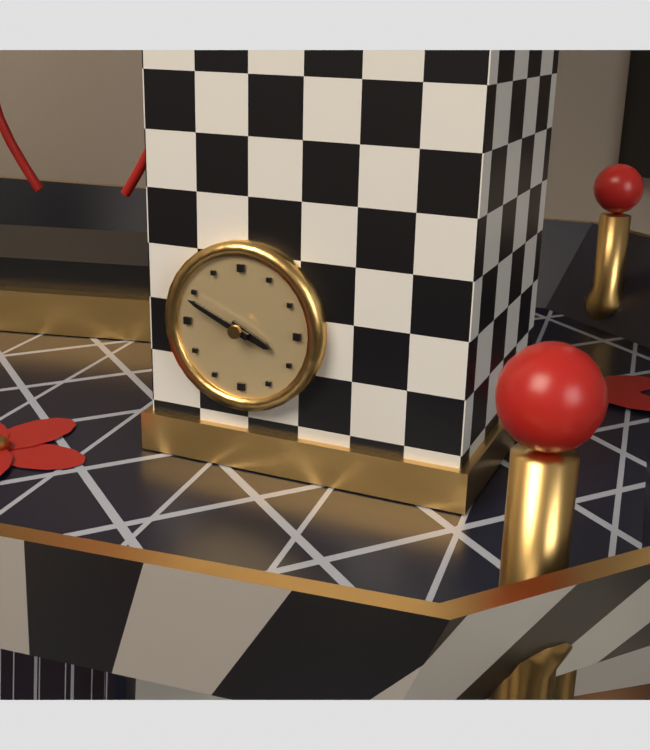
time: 3:49
